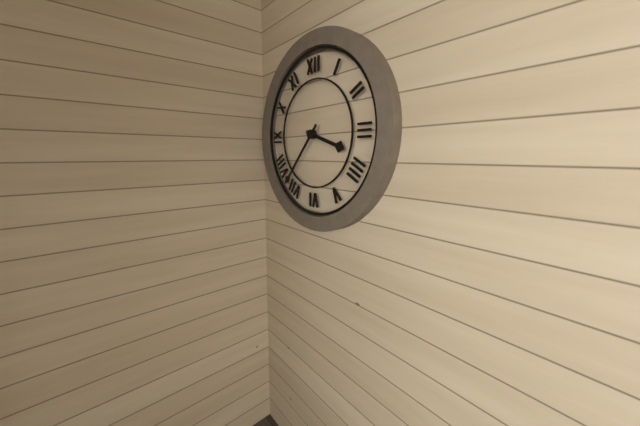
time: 3:37
